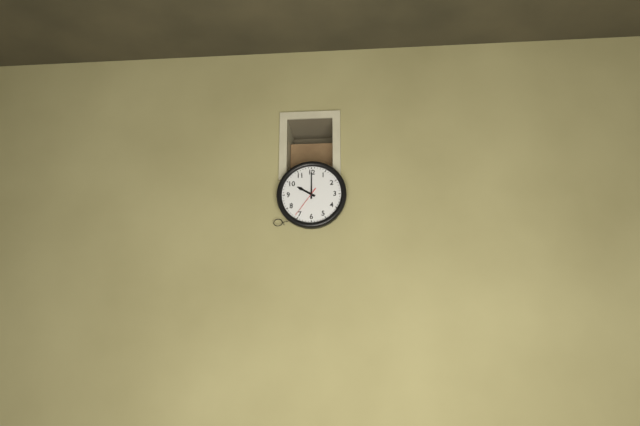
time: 10:00
